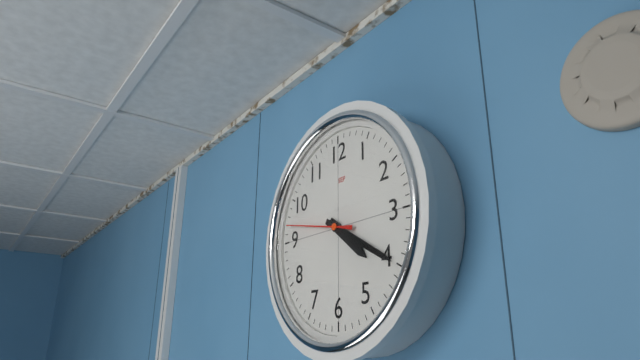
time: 4:20:47
